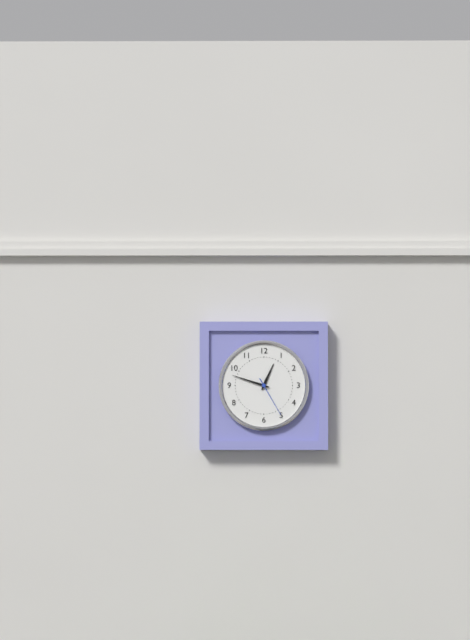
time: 12:48
